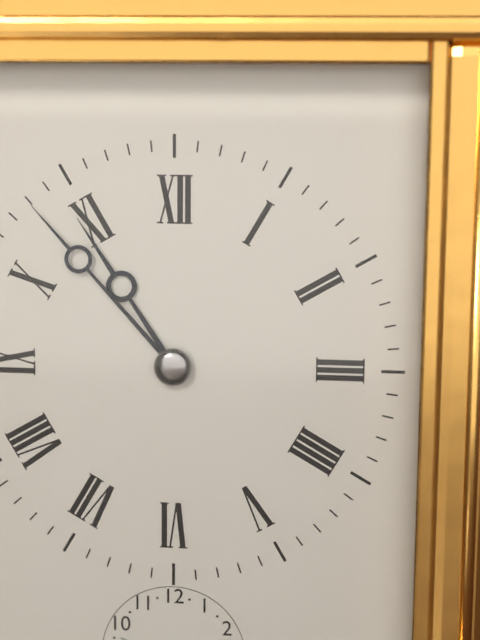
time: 10:53
